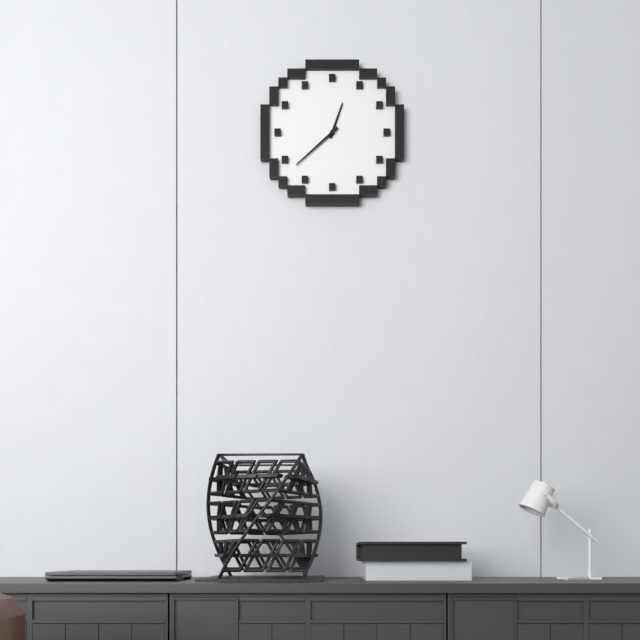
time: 12:38
